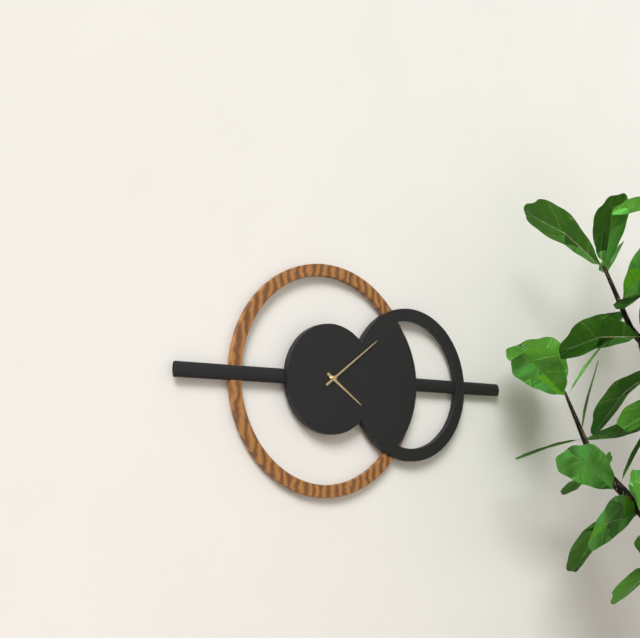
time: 4:09
